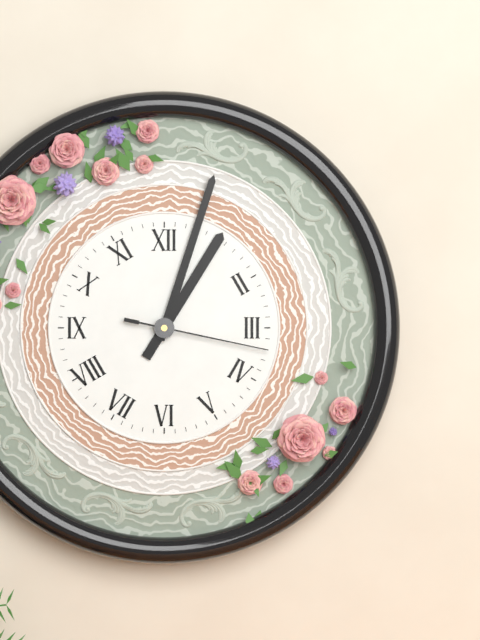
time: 1:03:17
